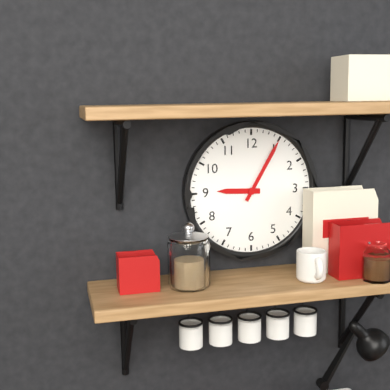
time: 9:05
